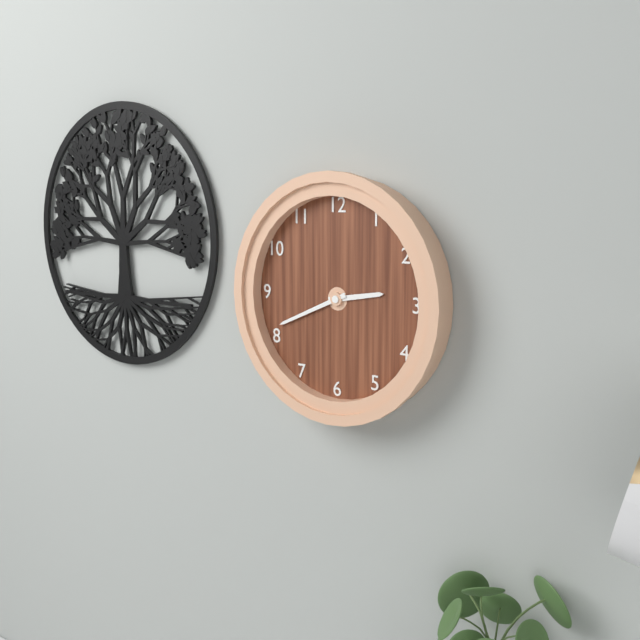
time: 2:41
